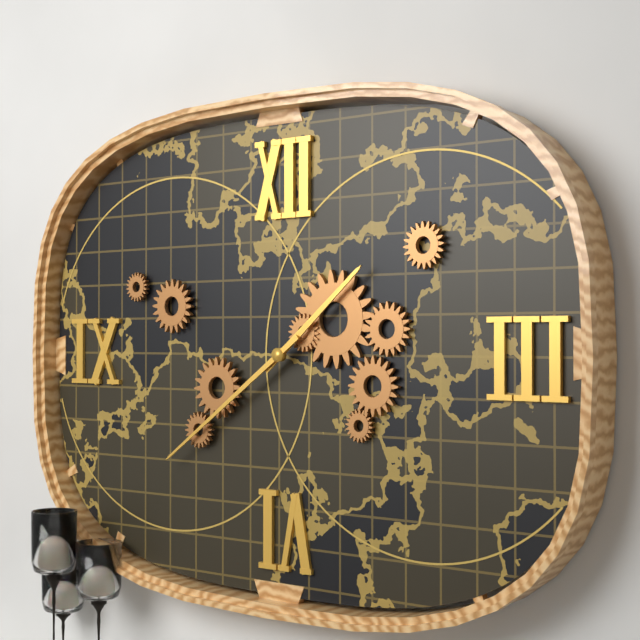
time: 1:39
